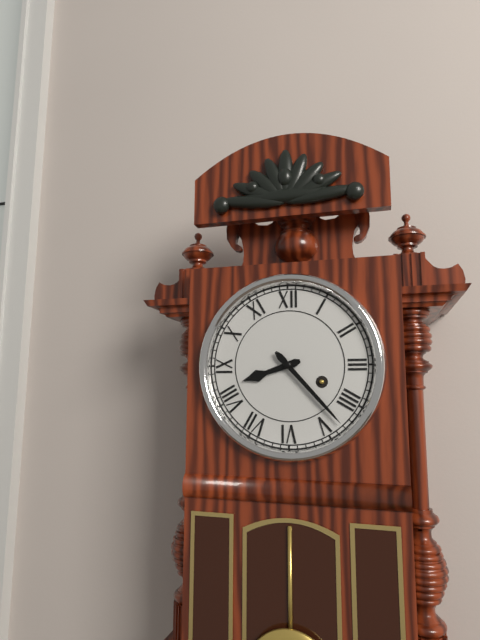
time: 8:23
